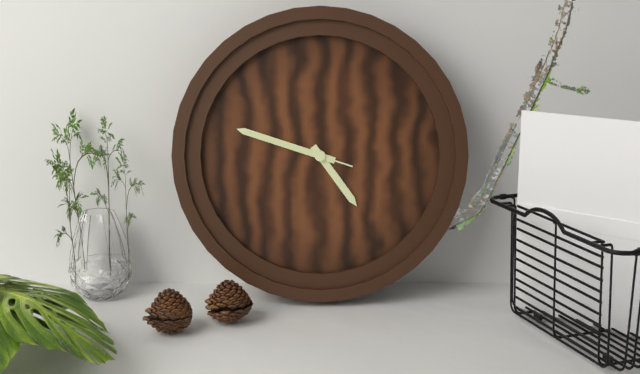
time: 4:48:48
